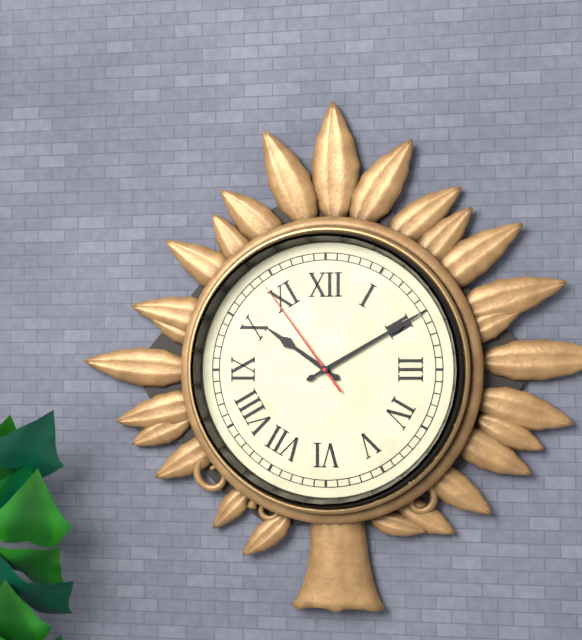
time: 10:10:54
